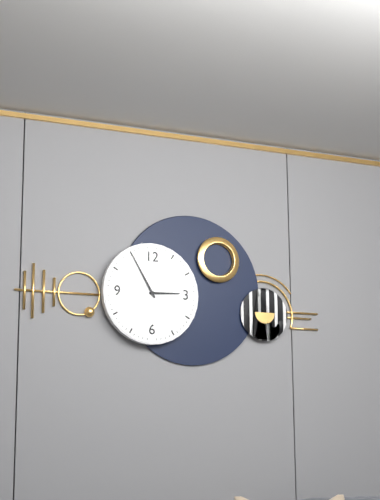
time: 2:55
